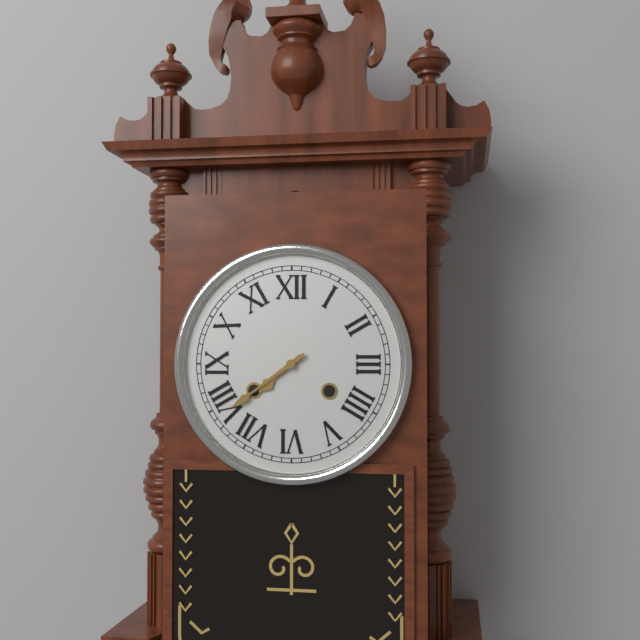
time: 7:39
